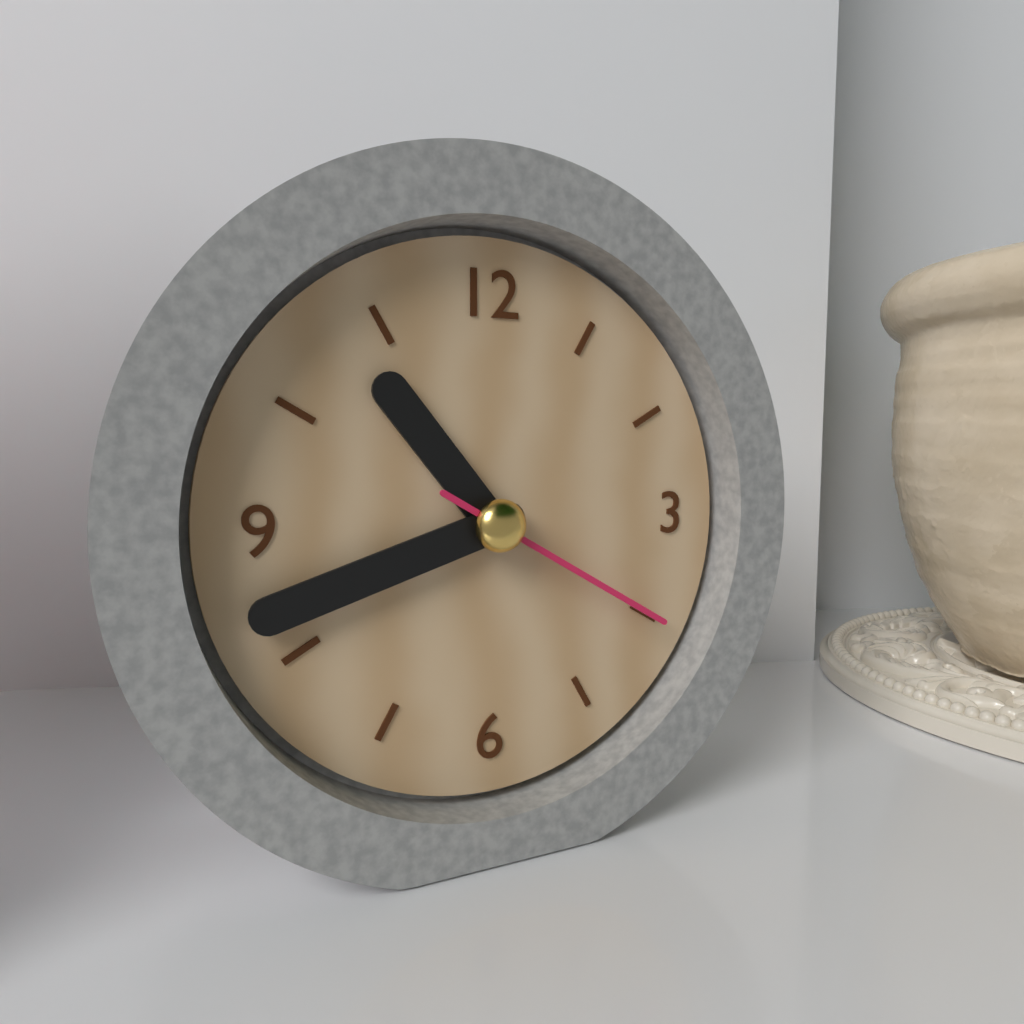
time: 10:42:20
